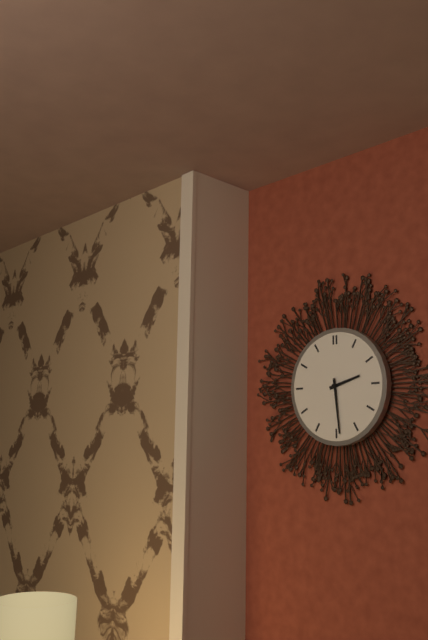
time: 2:29
